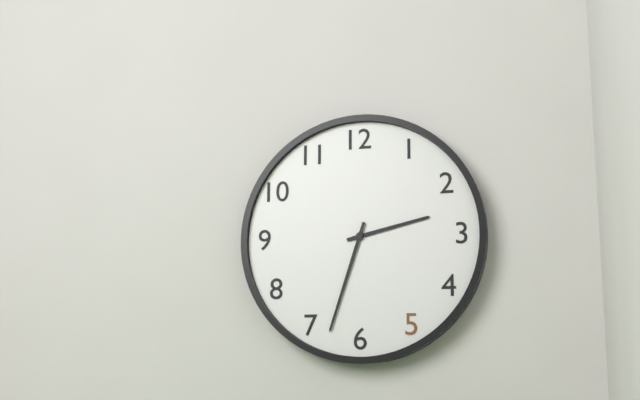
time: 2:33
